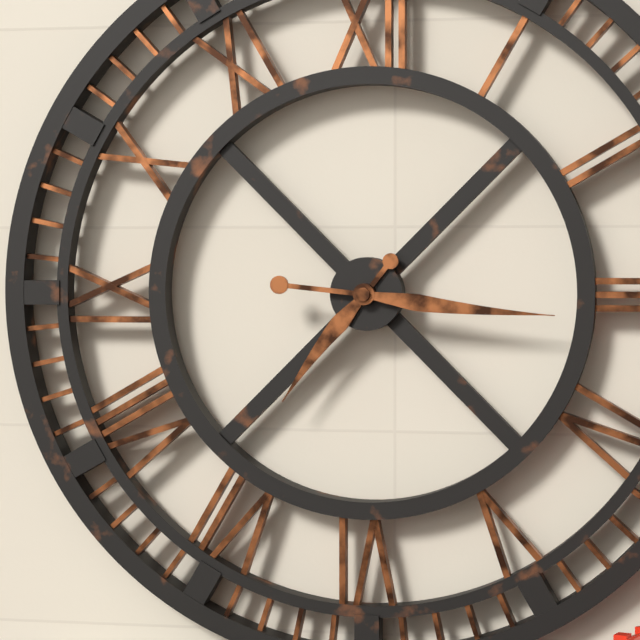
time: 7:16
